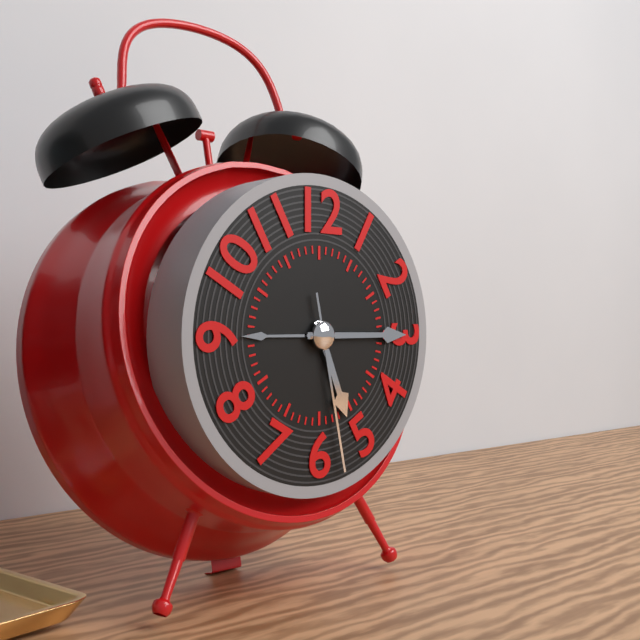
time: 5:15:28
